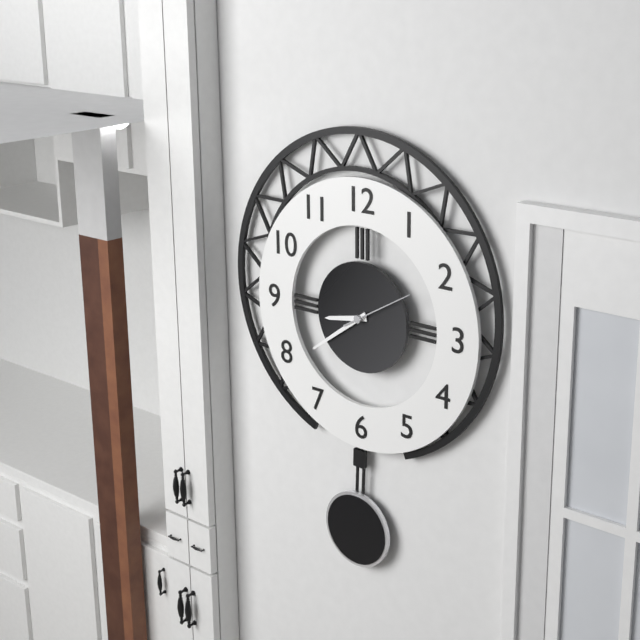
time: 8:39:10
